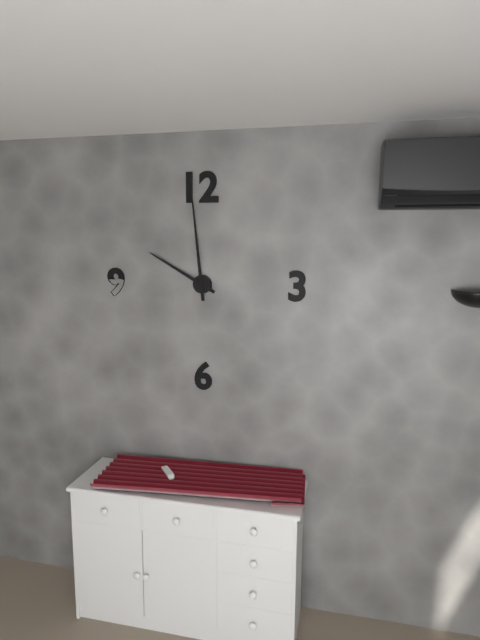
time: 9:59
